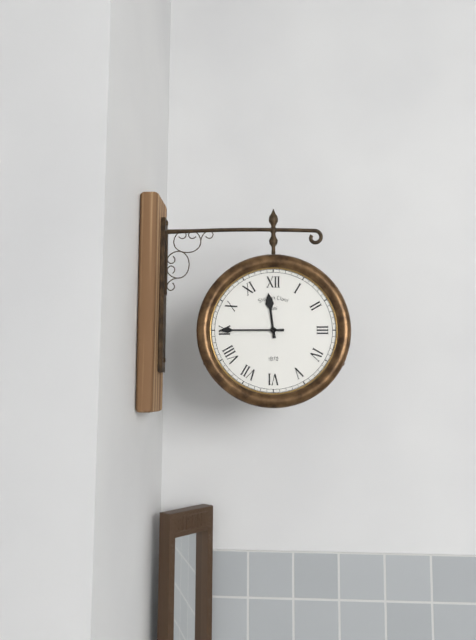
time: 11:45
